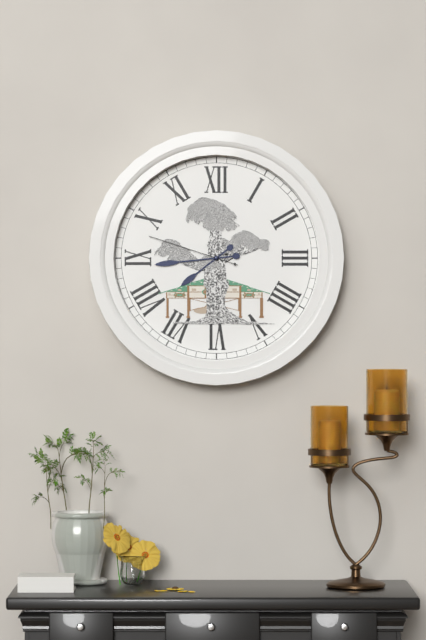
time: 7:44:48
